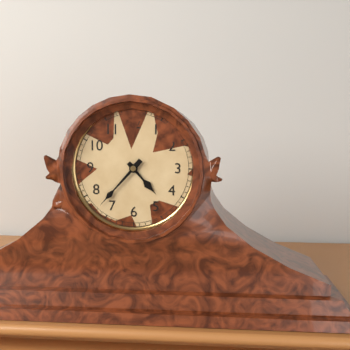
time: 4:37
